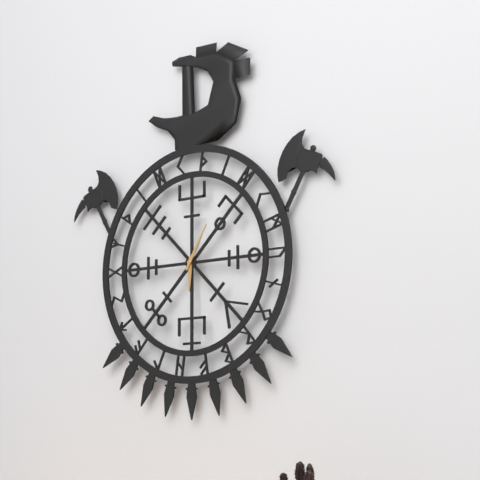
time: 6:05
